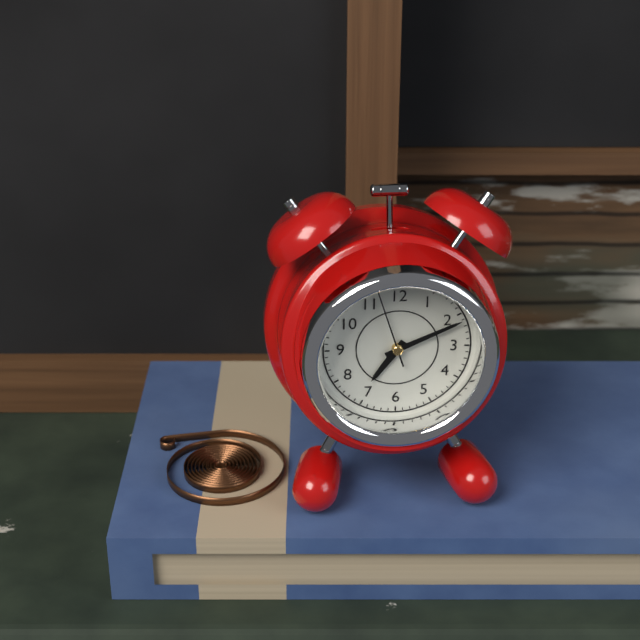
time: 7:11:57
